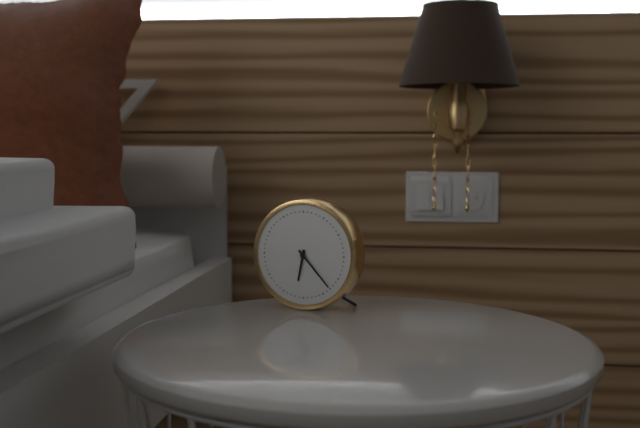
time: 6:23
